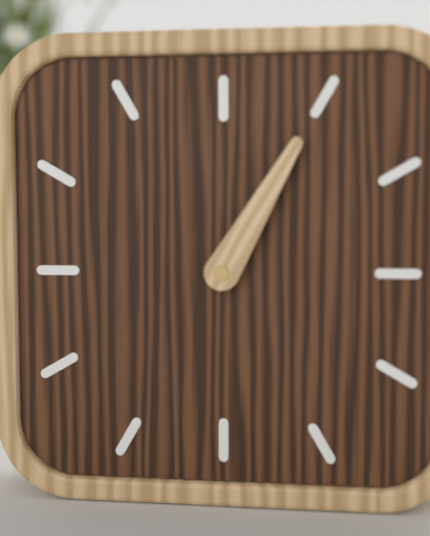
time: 1:05
